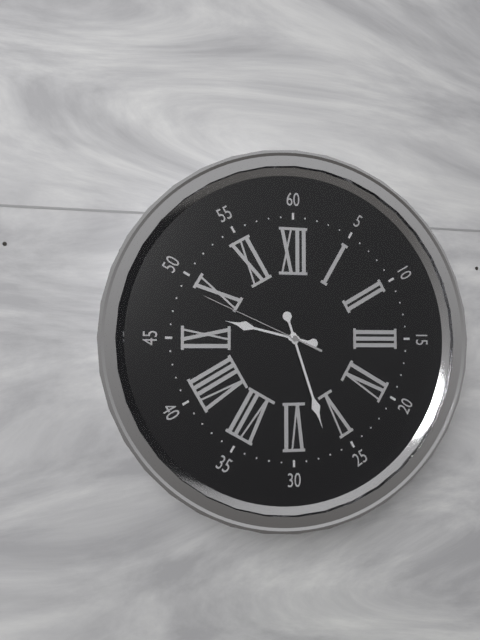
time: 9:27:49
